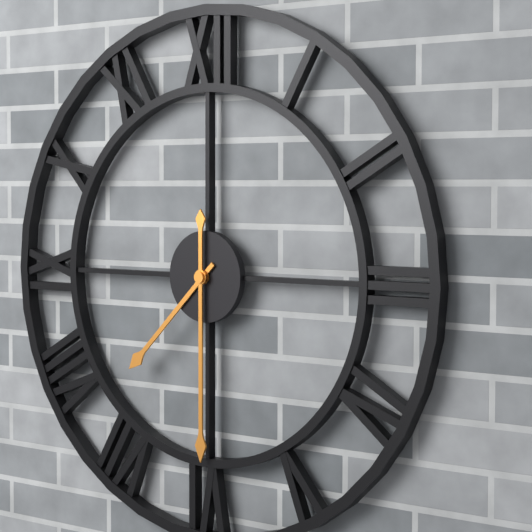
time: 7:30
